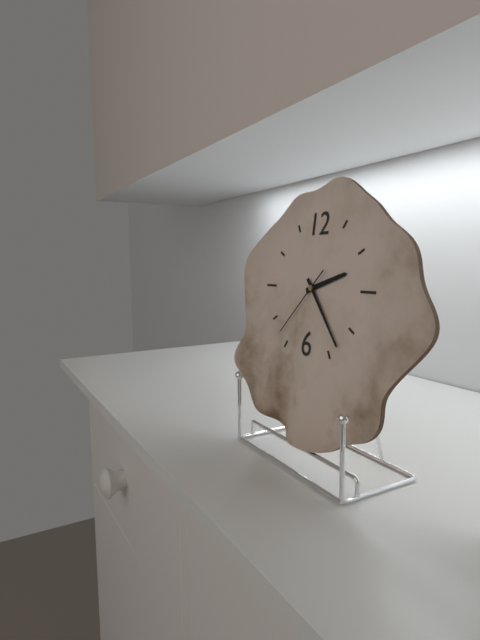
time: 2:23:37
